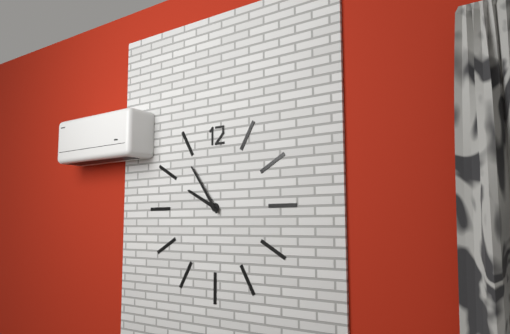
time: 9:54
